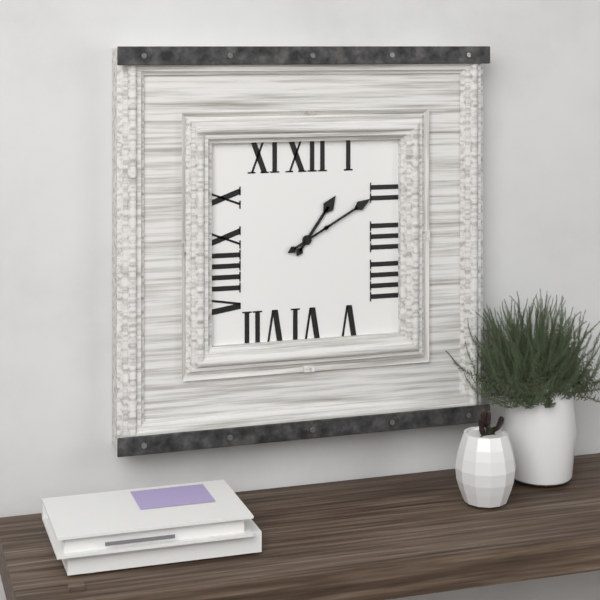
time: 1:10
